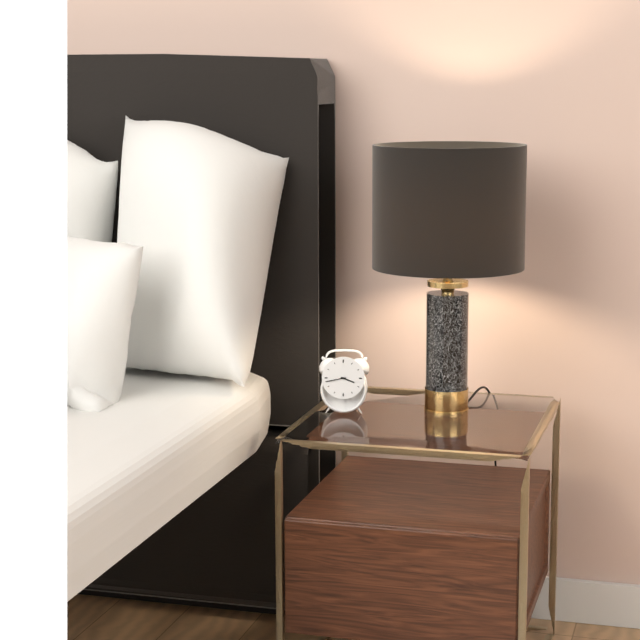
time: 3:43
